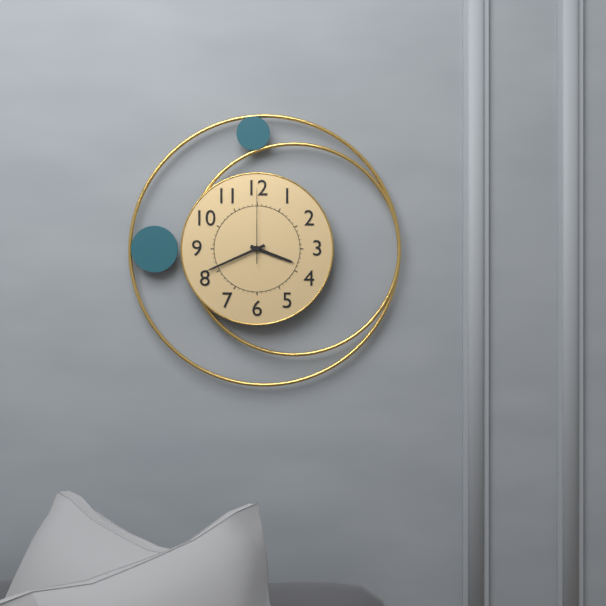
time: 3:41:00
